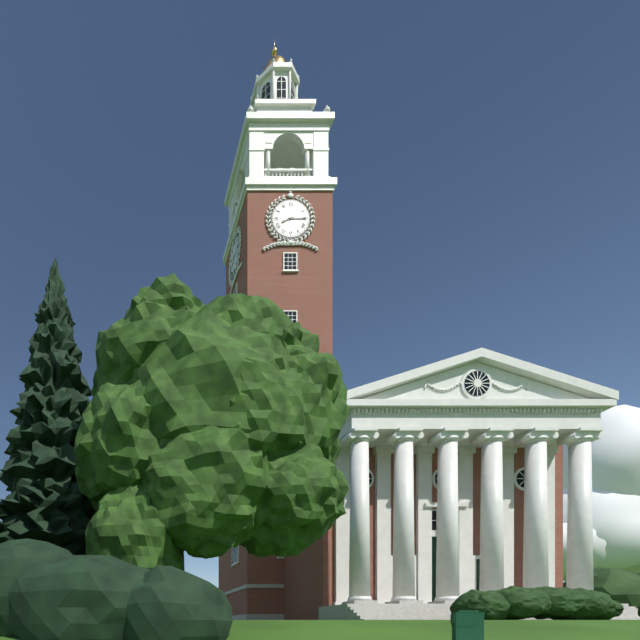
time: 8:15
